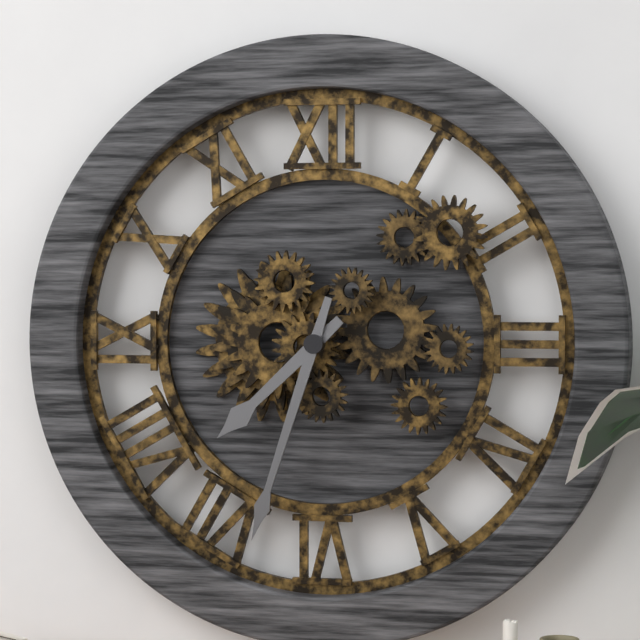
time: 7:33
